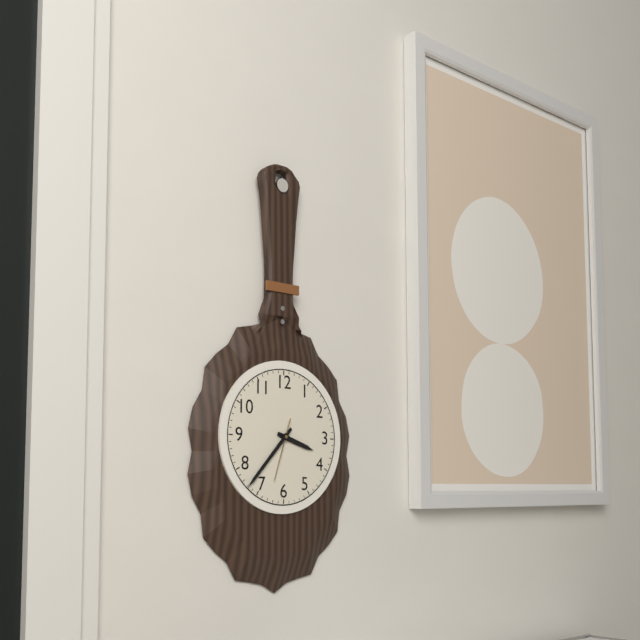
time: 3:37:33
